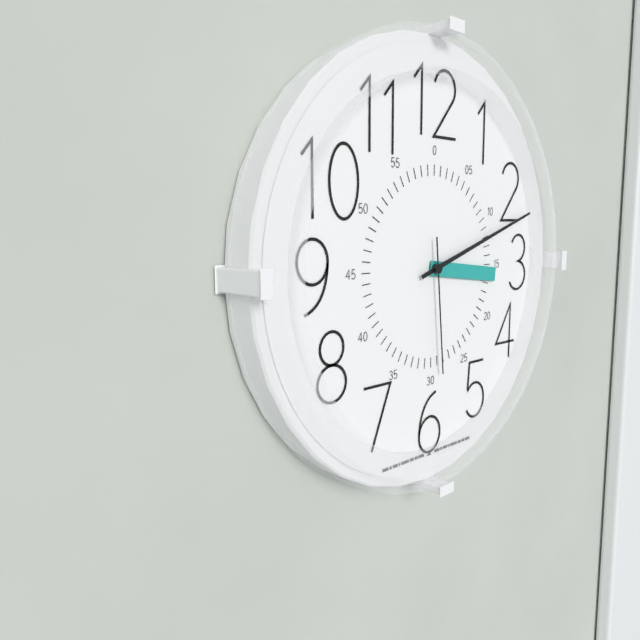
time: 3:12:29
